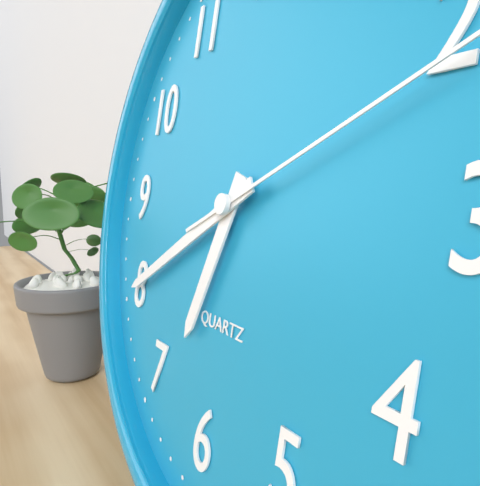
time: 6:40
